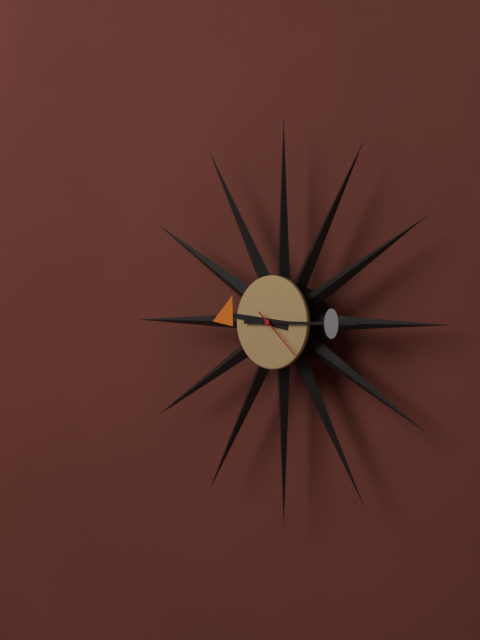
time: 9:15
